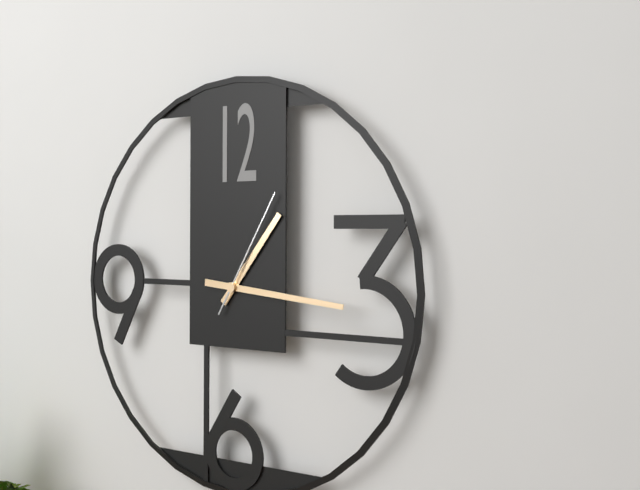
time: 1:16:05
